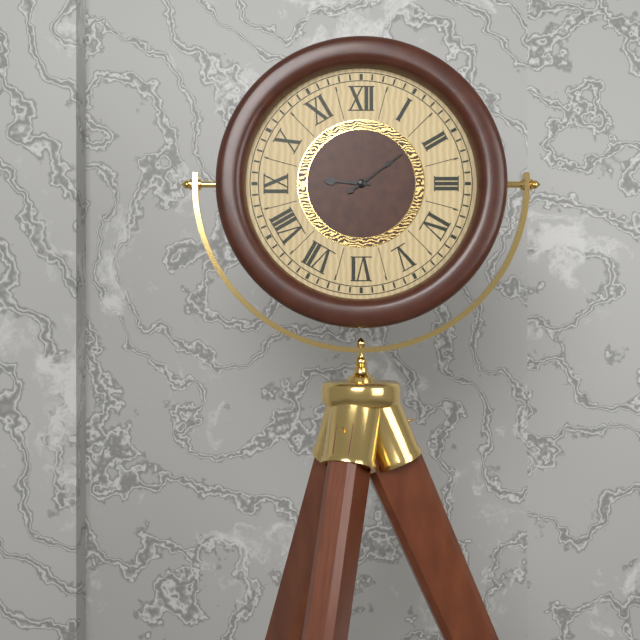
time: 9:09
